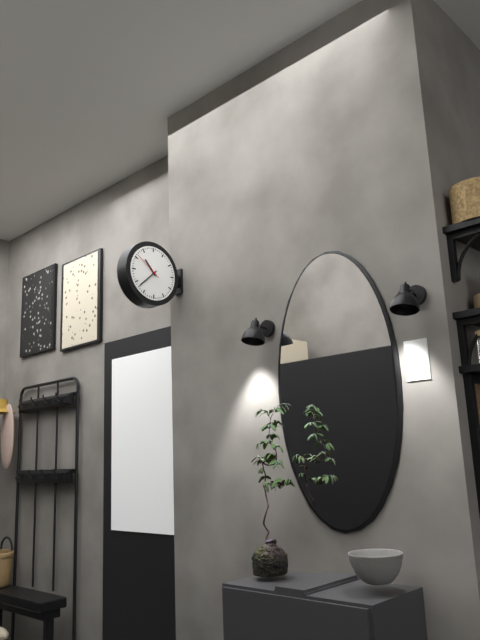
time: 10:38
